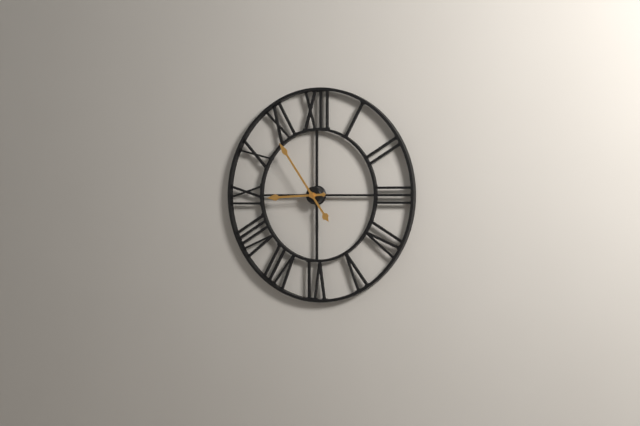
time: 8:54
